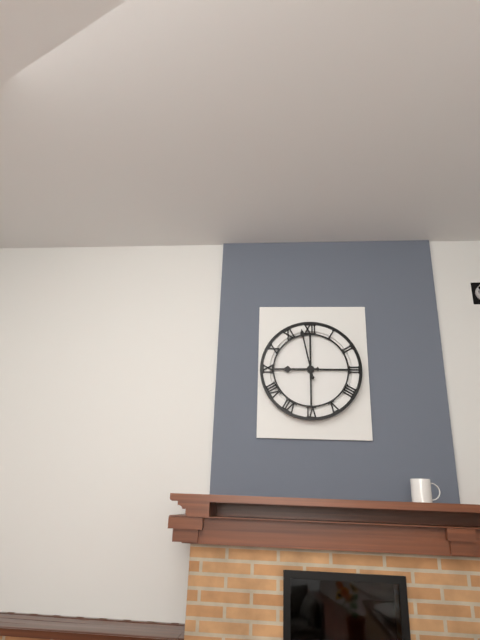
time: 8:58
